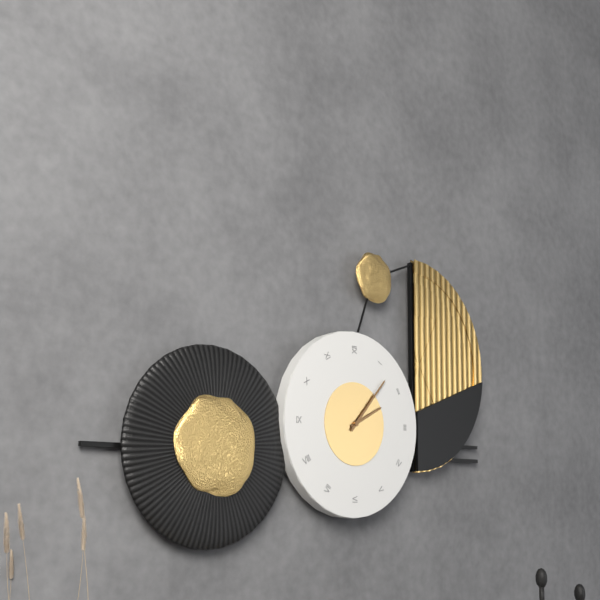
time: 2:07
